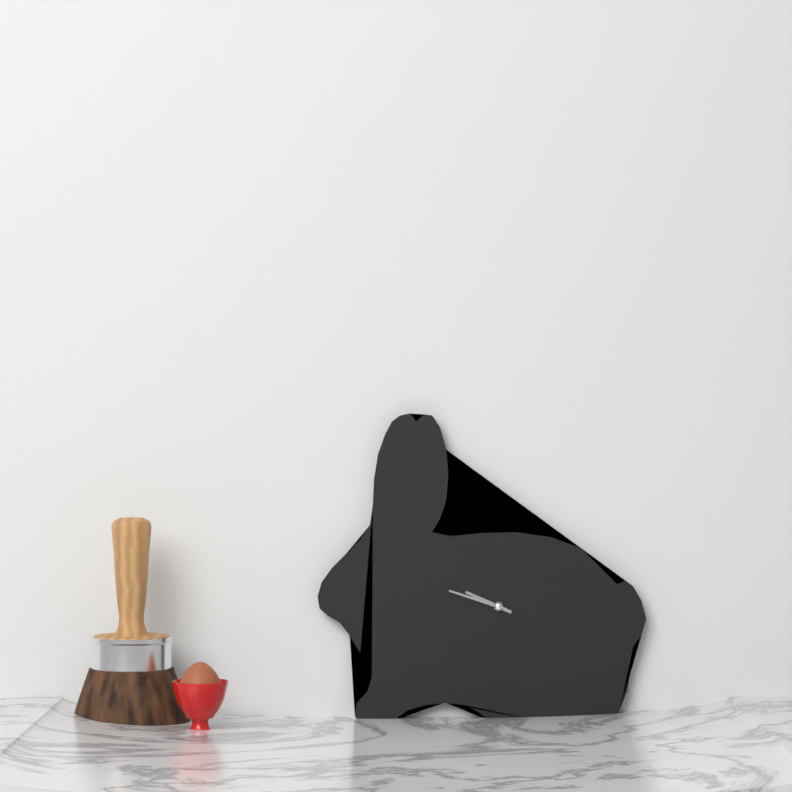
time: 9:48
